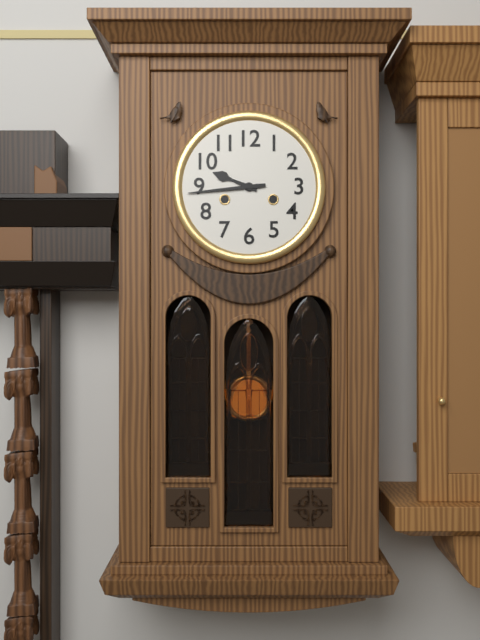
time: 9:44
